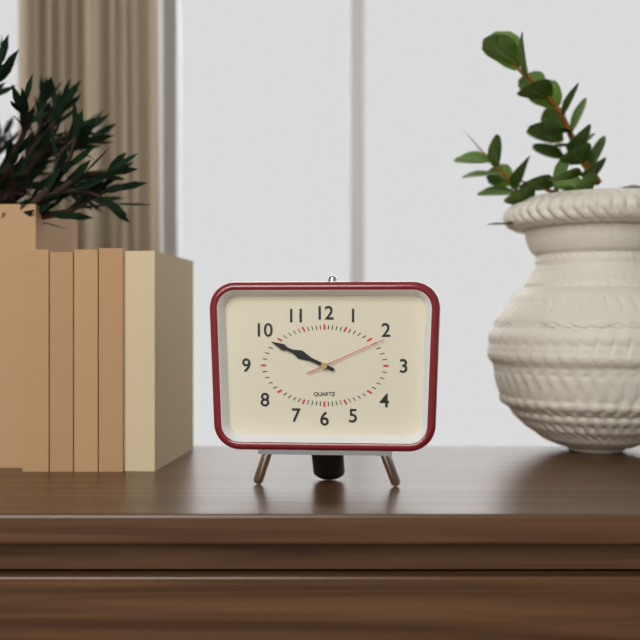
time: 9:49:11
